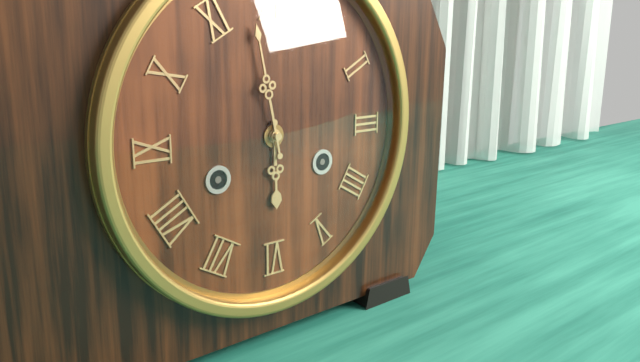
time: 5:58
